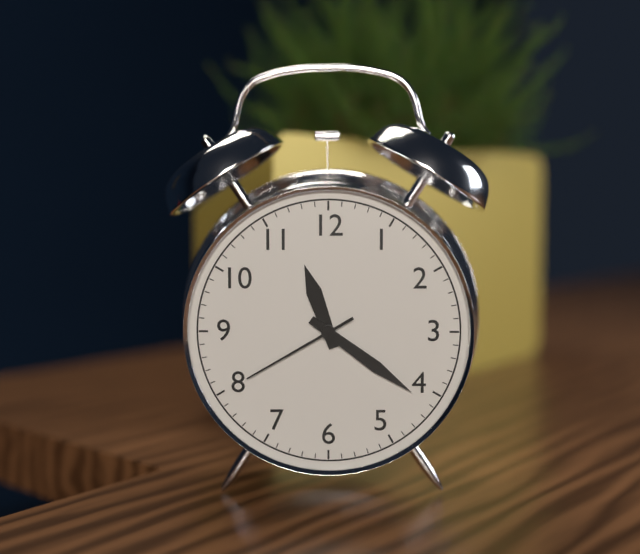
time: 11:21:40
